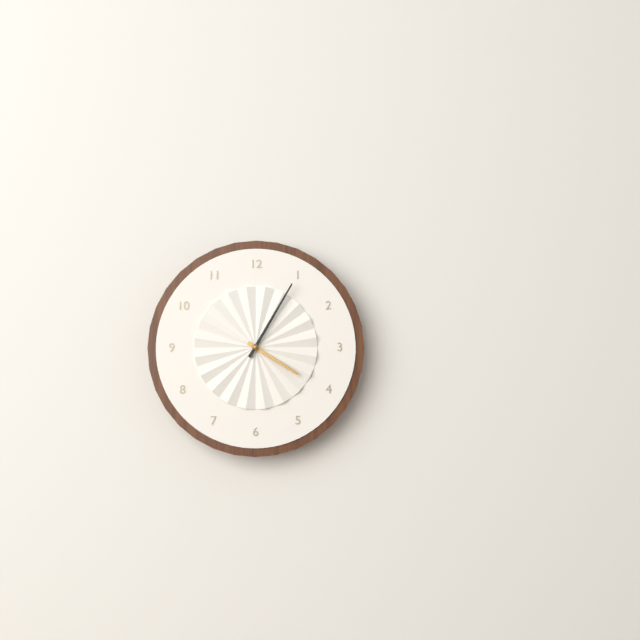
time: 4:05
